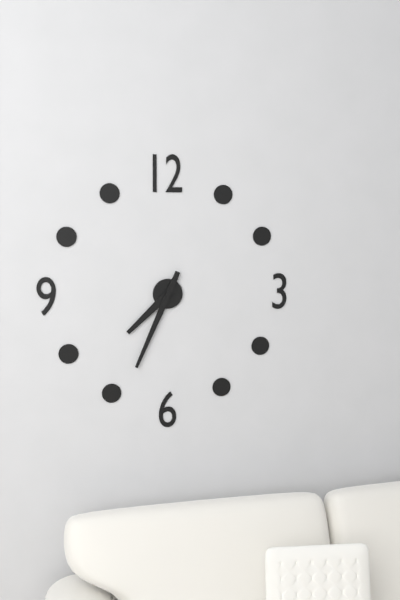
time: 7:34
